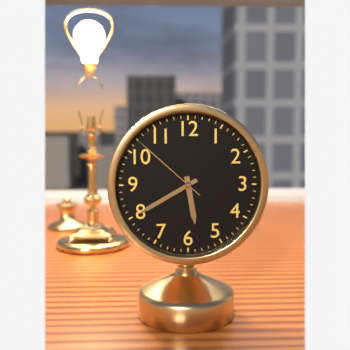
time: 5:40:52
